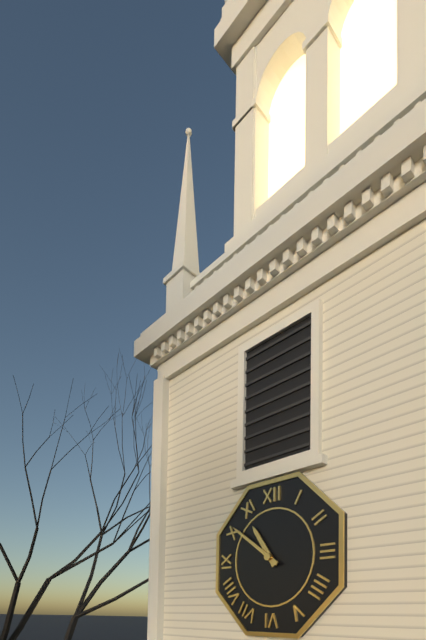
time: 10:51
